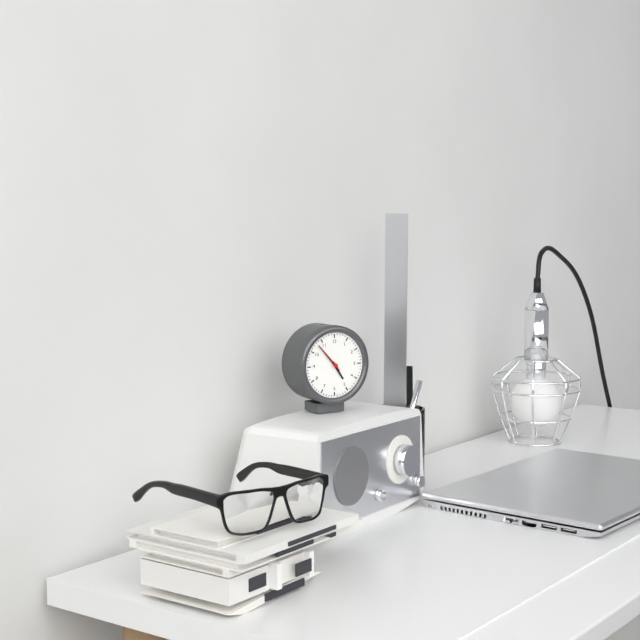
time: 4:53
